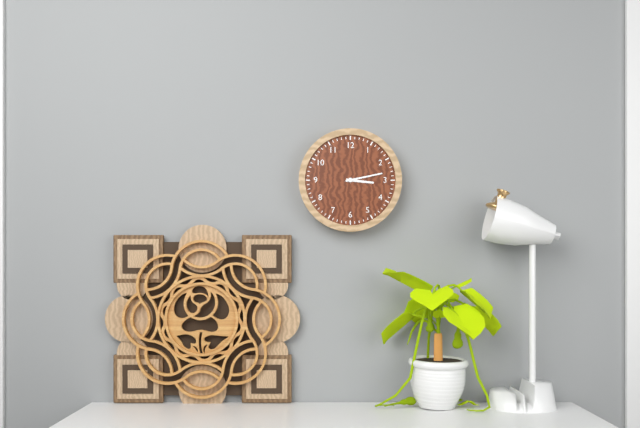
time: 3:13
